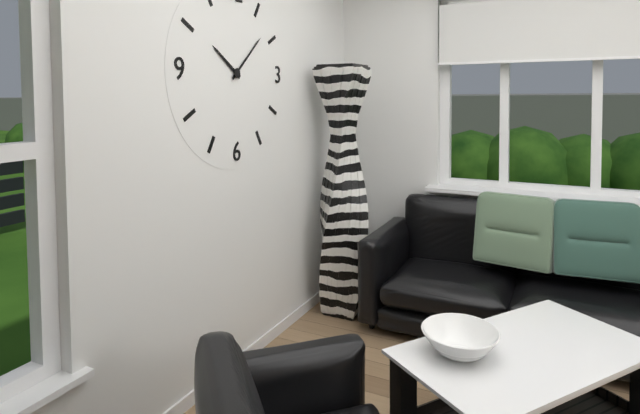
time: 10:08
